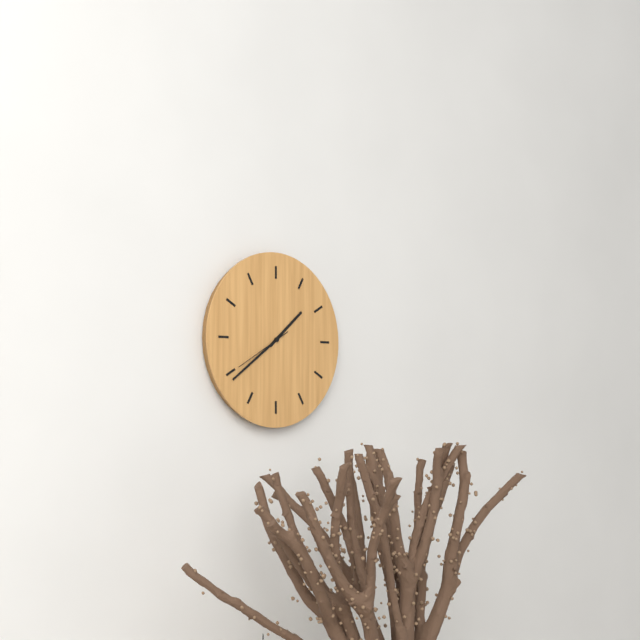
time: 1:39:40
